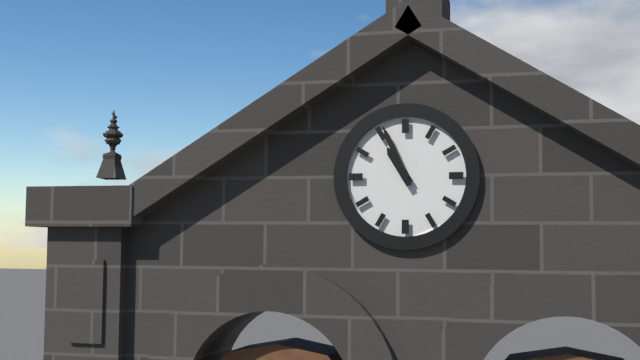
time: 10:56
